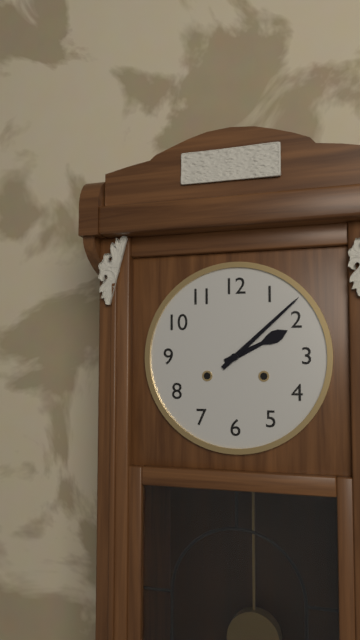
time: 2:08
